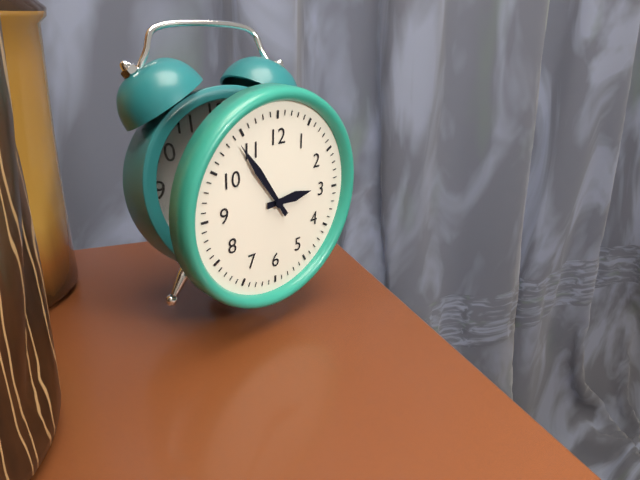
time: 2:54
